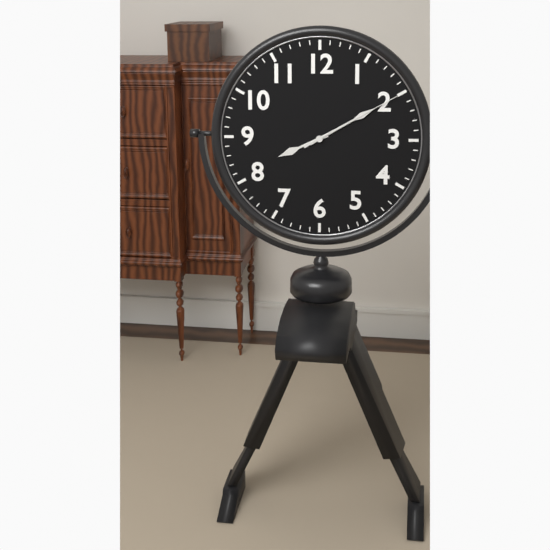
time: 8:10:10
